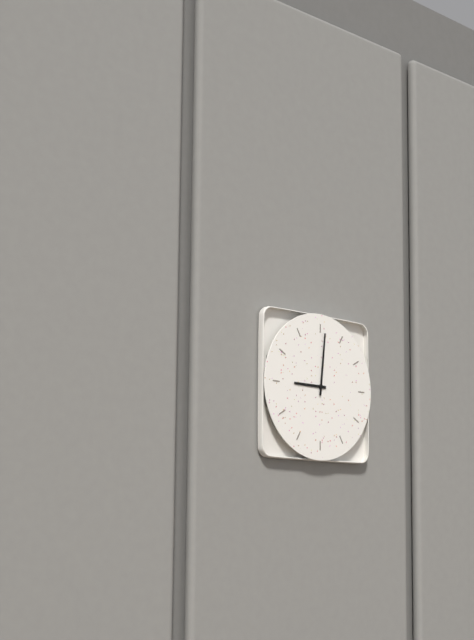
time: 9:01
